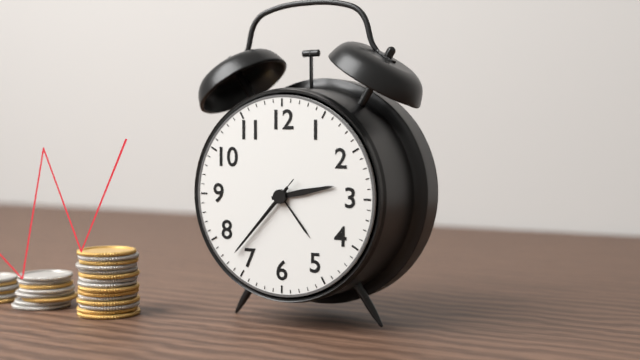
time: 2:37:37
